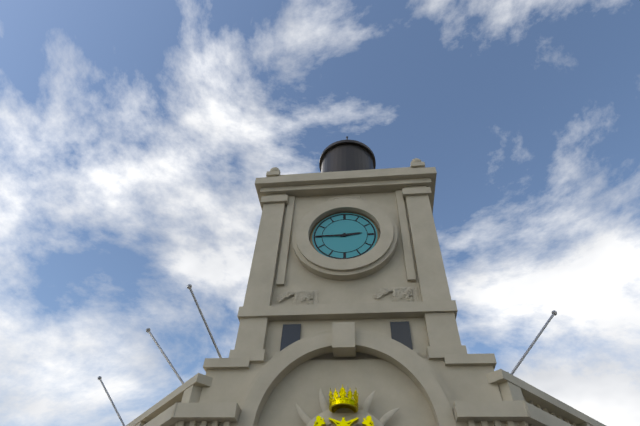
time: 2:45
